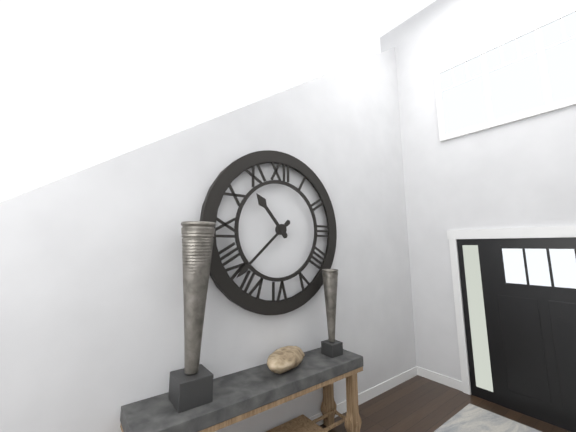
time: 10:38
